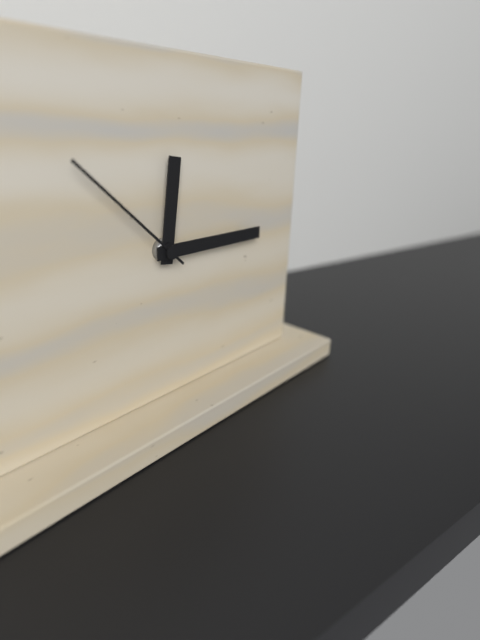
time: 12:15:52
